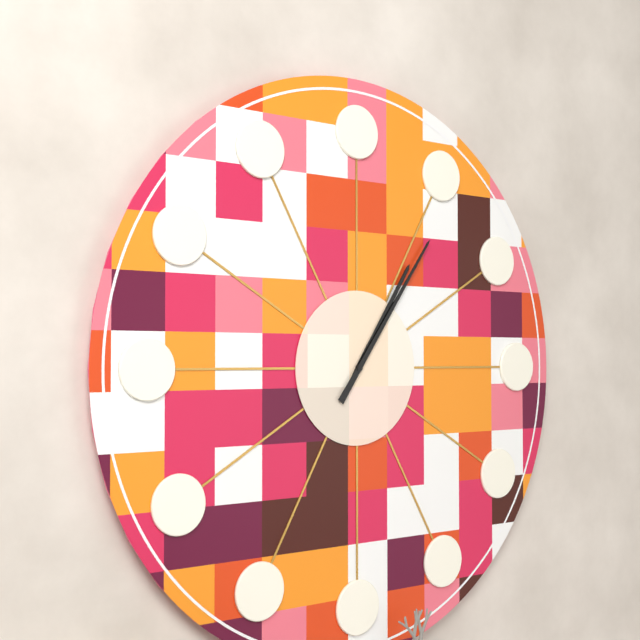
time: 1:06
